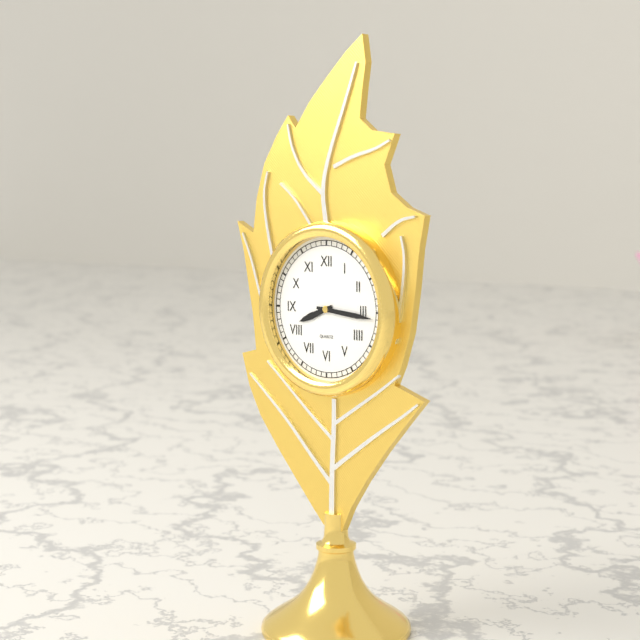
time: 8:16
